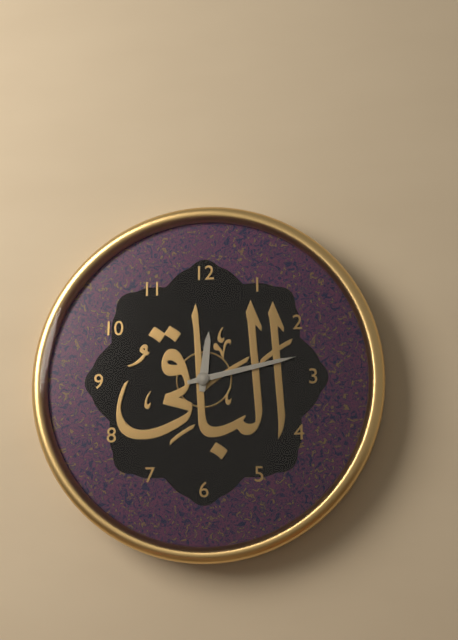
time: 12:13
